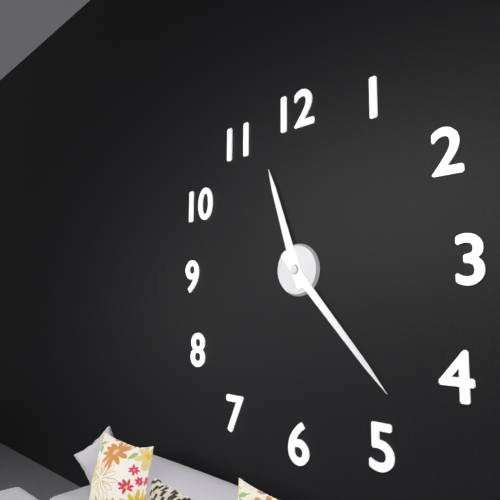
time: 11:23
